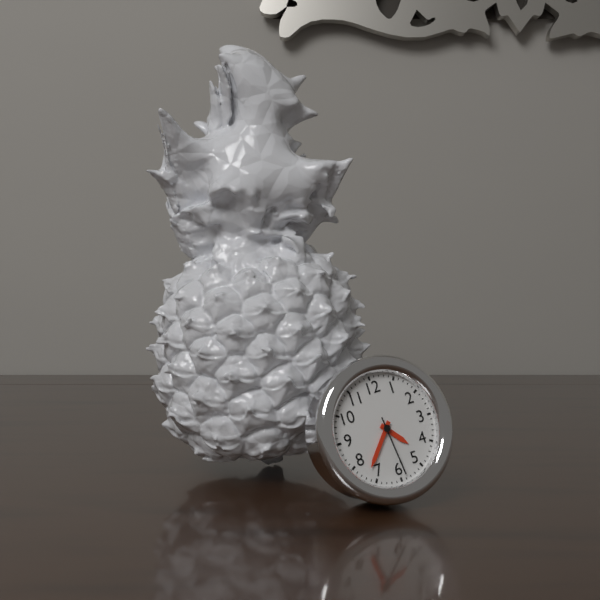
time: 4:37:29
